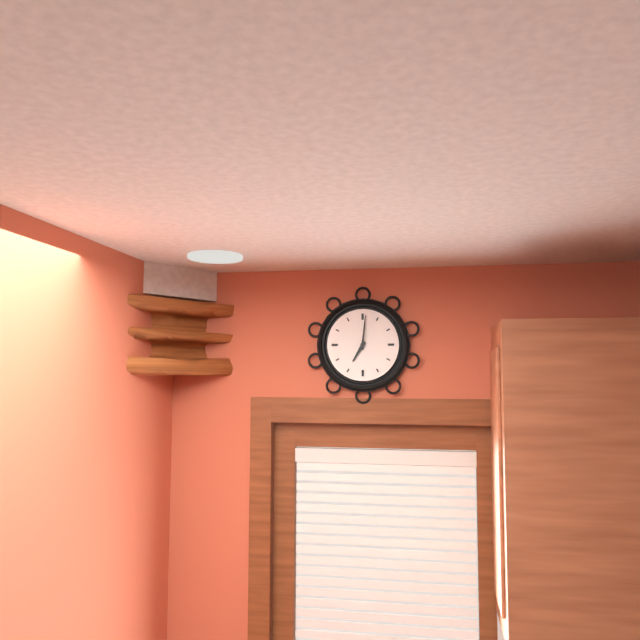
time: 7:01
